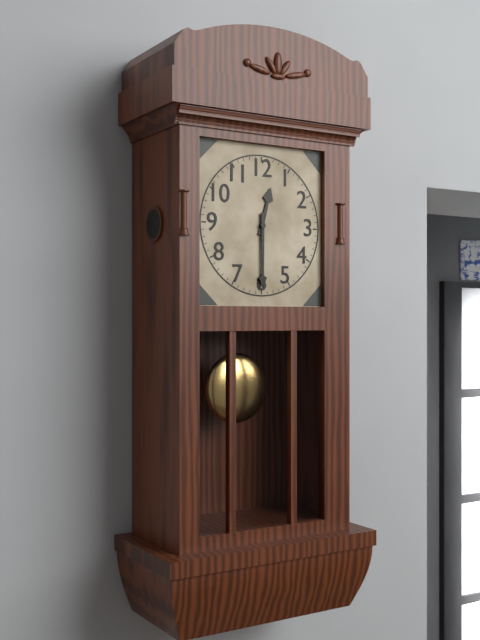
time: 12:30
